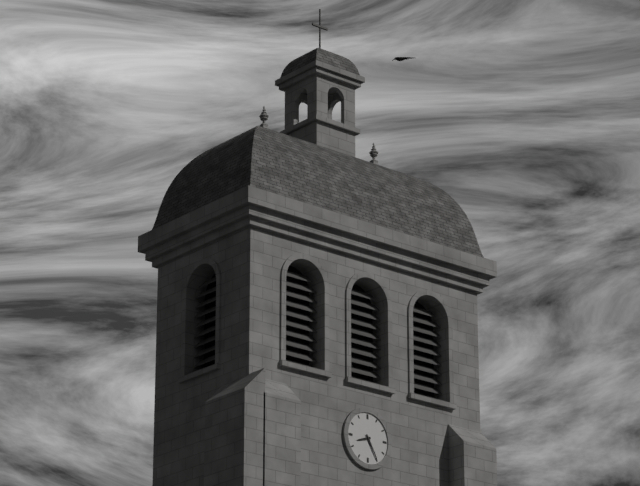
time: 8:25
